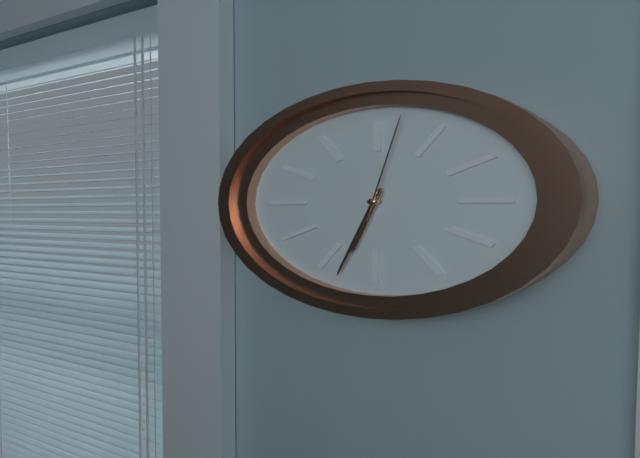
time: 6:33:02
